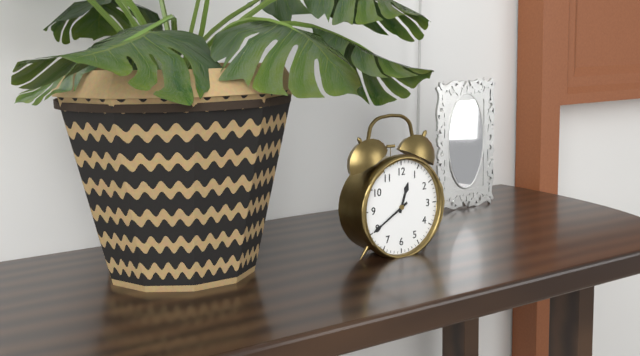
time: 12:40
